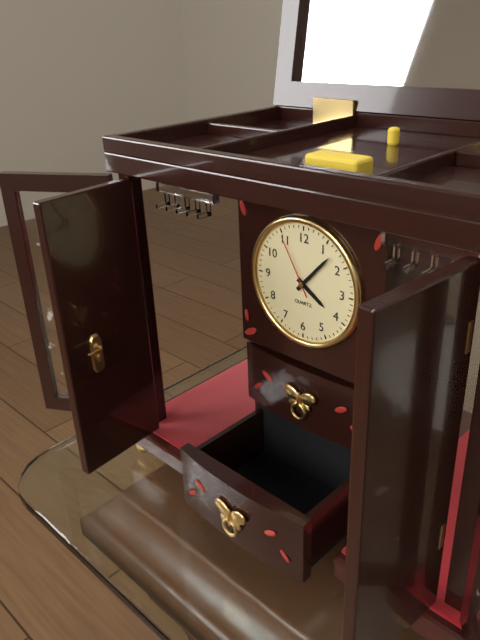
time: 4:07:55
